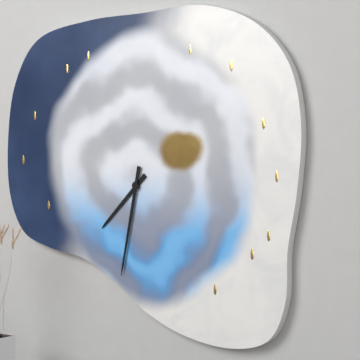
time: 7:32
